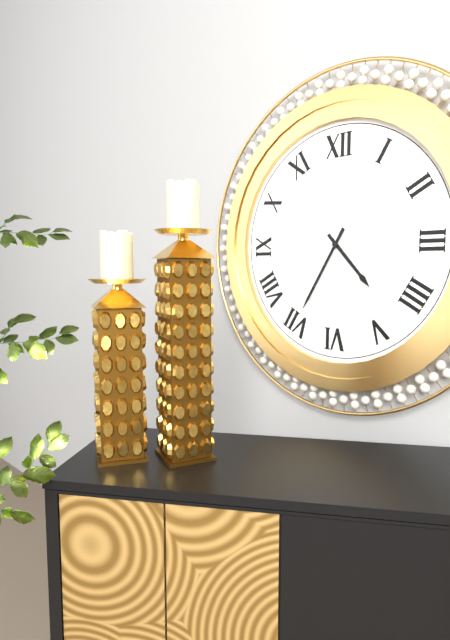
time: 4:35
